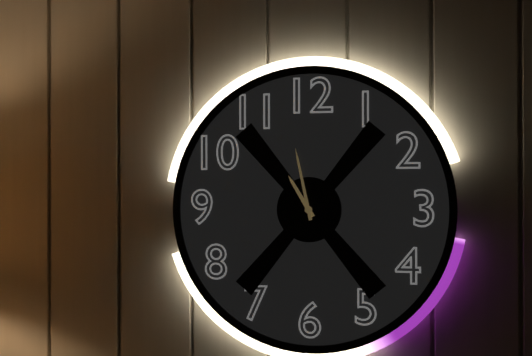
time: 10:58
